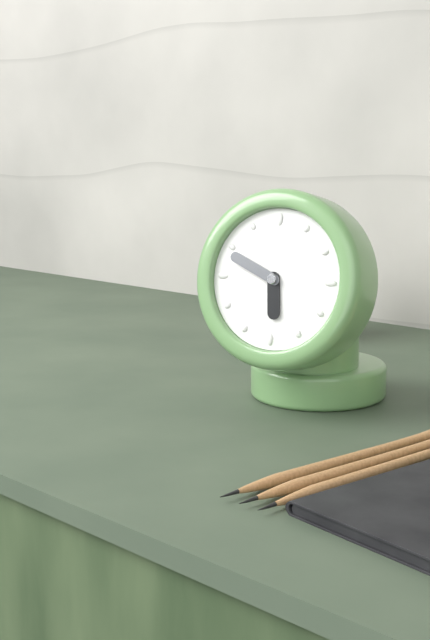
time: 5:49
